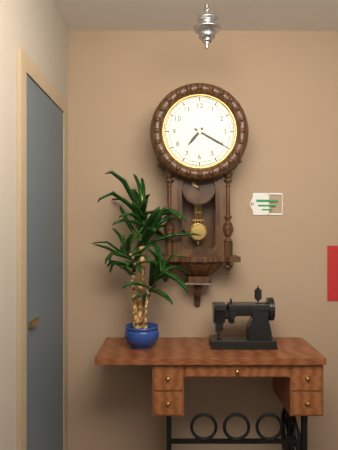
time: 7:20
